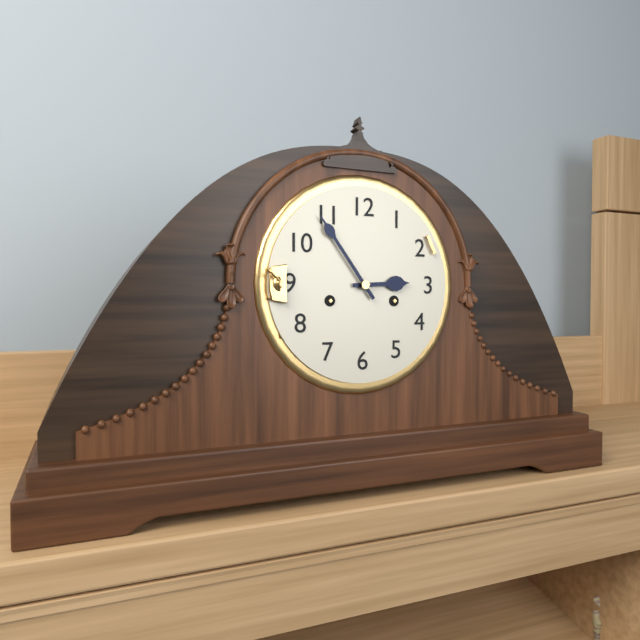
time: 2:54
